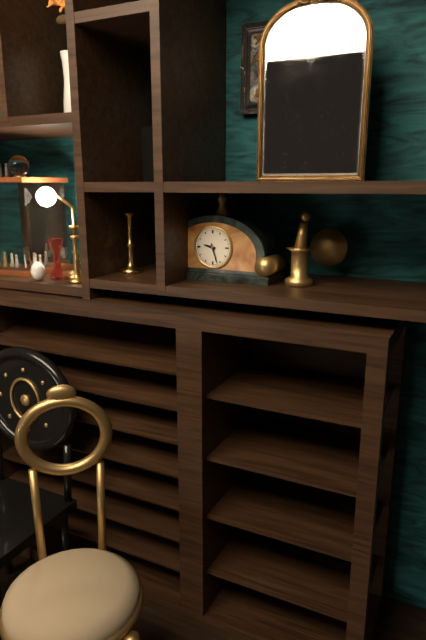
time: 9:27
